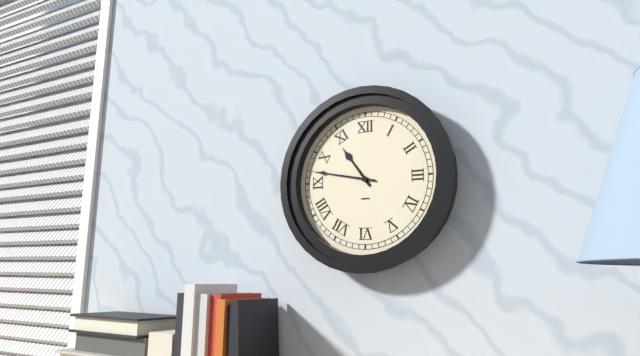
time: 10:47
